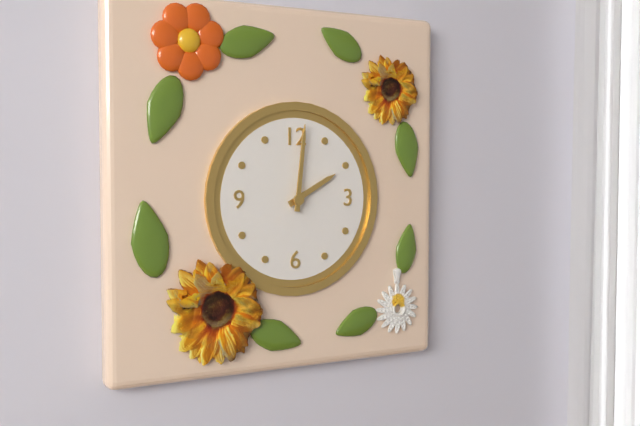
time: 2:01
